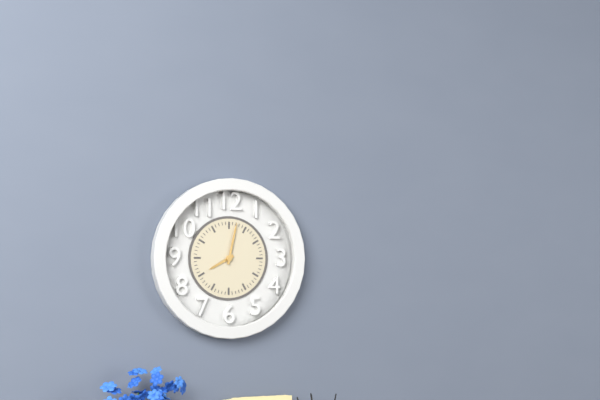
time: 8:02
